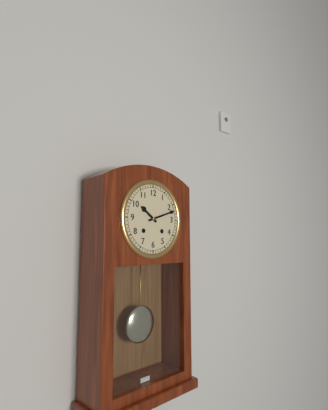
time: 10:12
